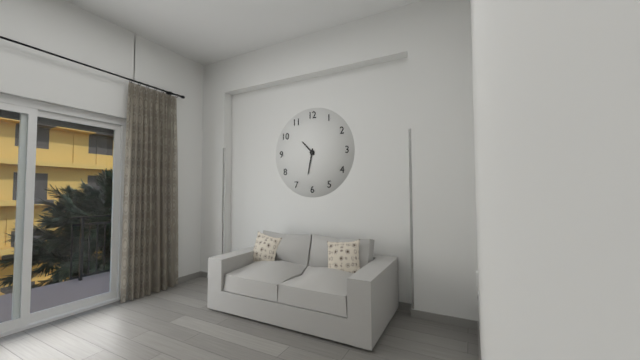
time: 10:32
